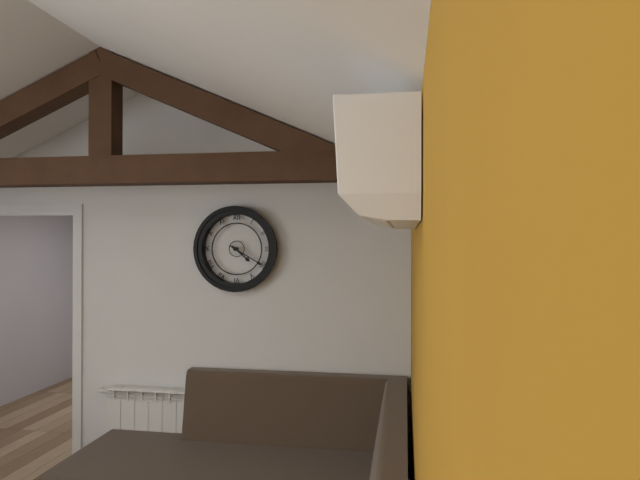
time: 4:20
